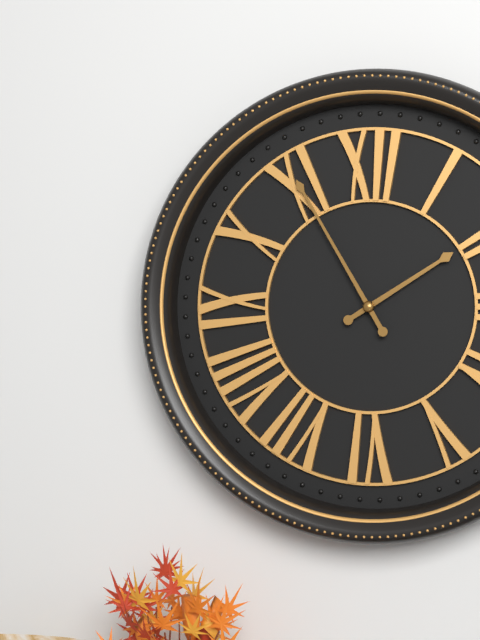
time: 1:55
